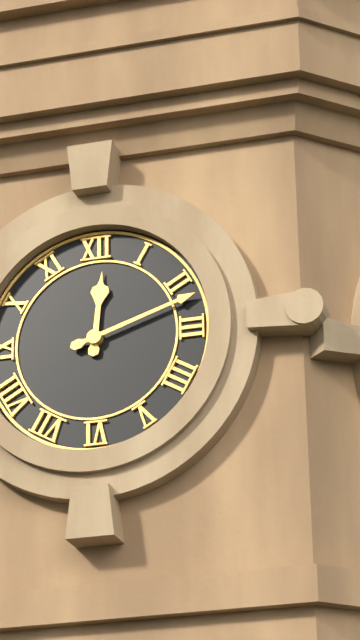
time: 12:12
